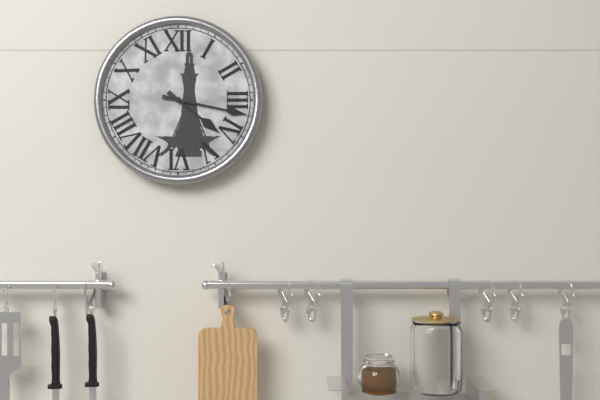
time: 4:17
